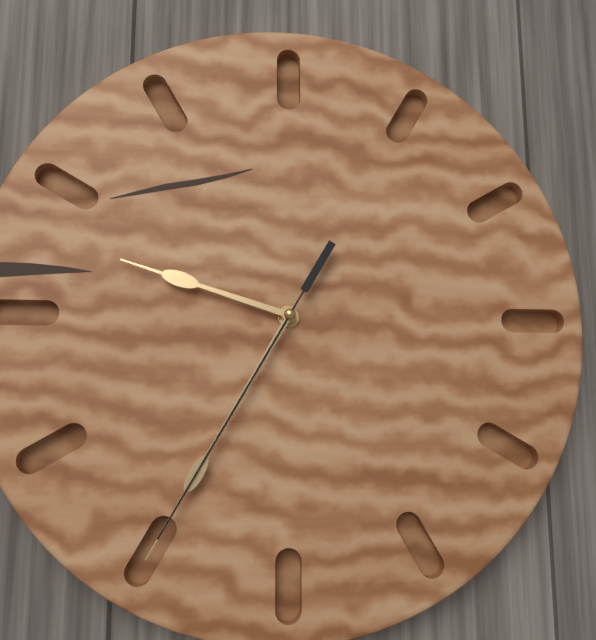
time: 9:35:35
